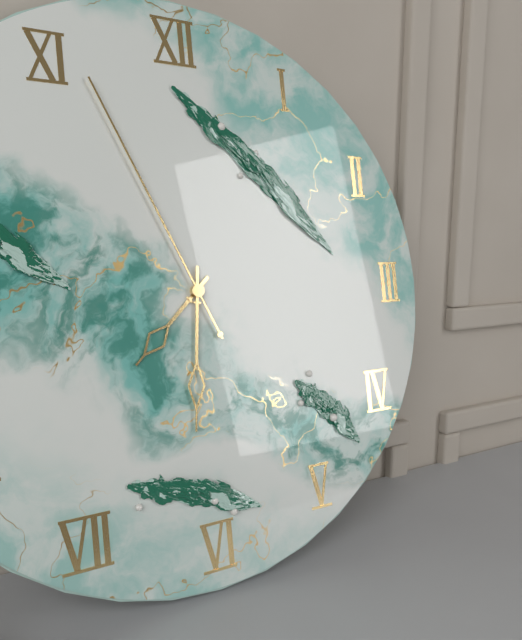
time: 7:31:56
